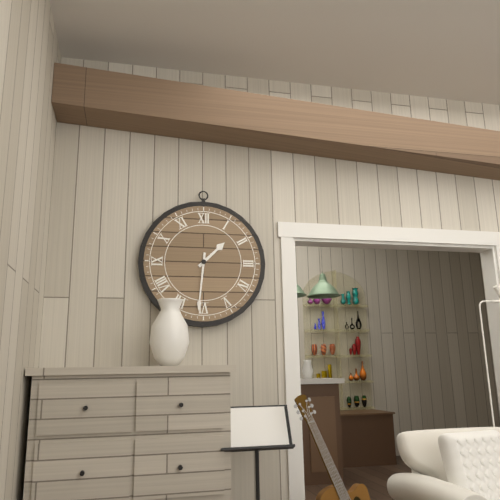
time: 1:31
